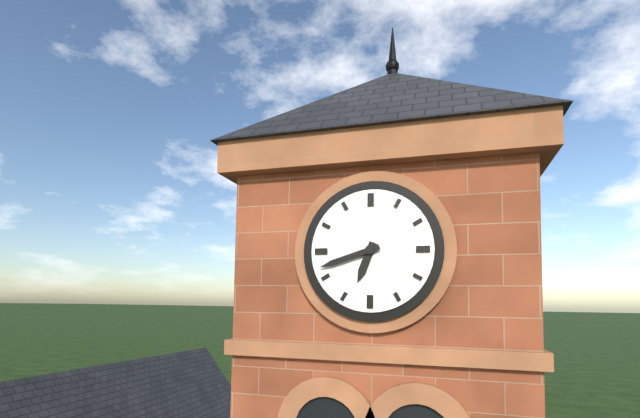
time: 6:42
